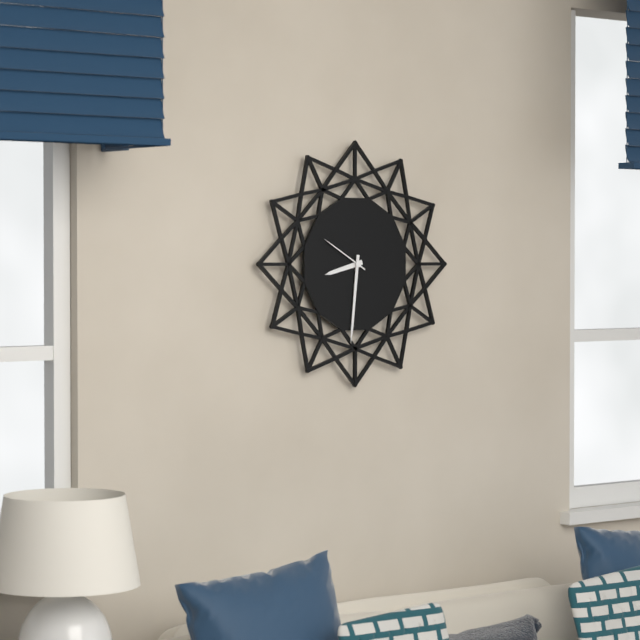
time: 8:31
